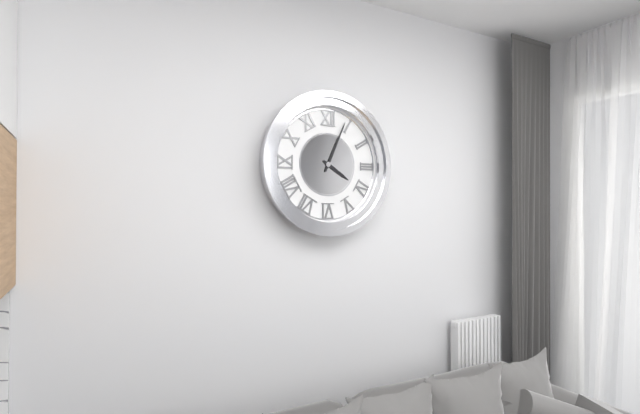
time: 4:04
